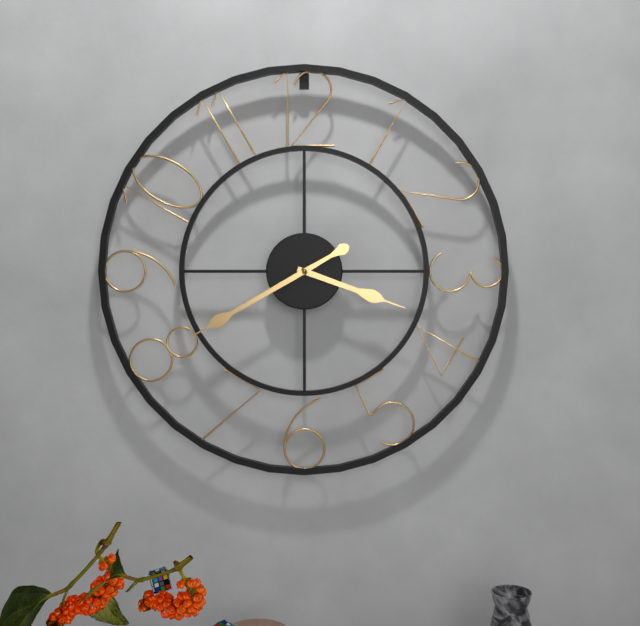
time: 3:40
